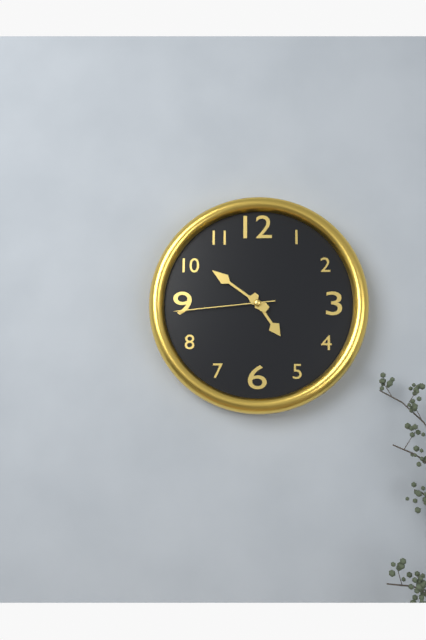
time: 4:51:44
